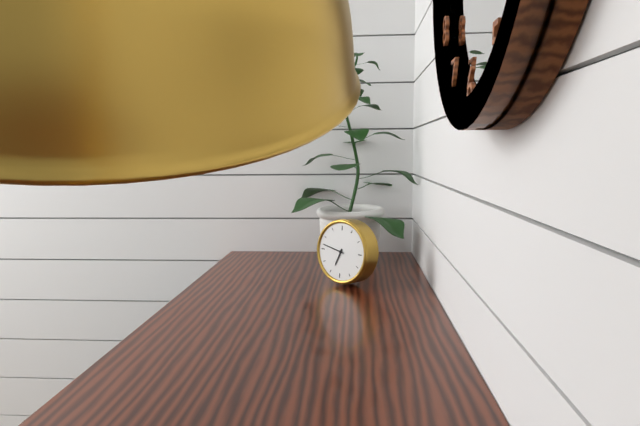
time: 6:47
